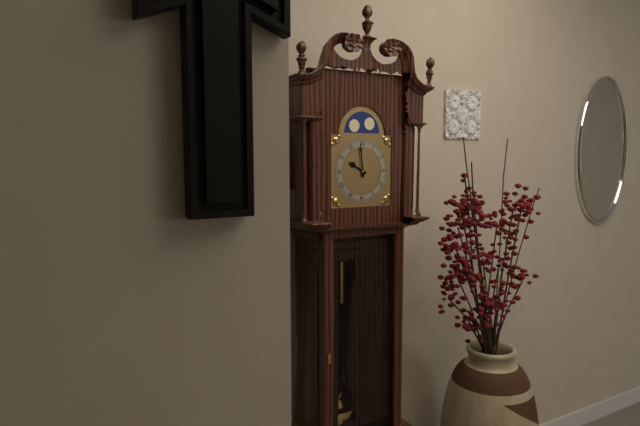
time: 9:59
